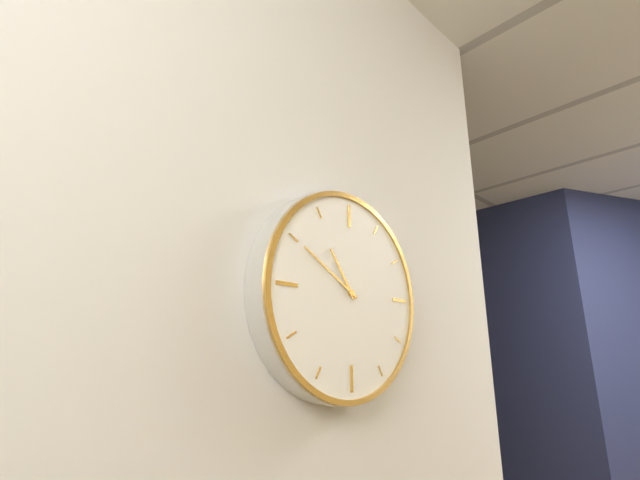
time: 10:50
